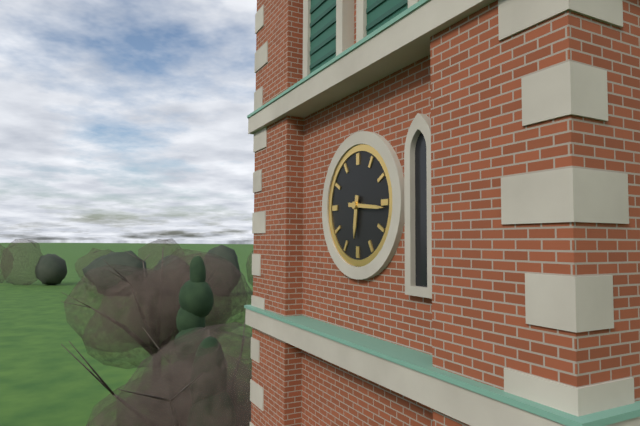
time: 6:16
